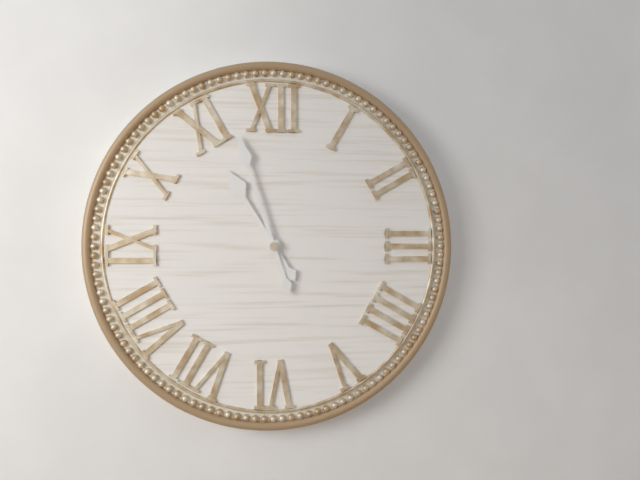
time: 10:57
